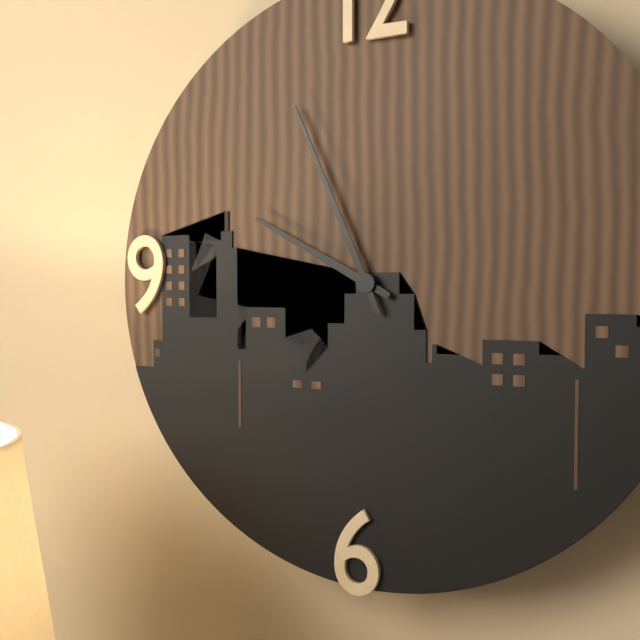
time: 9:56
